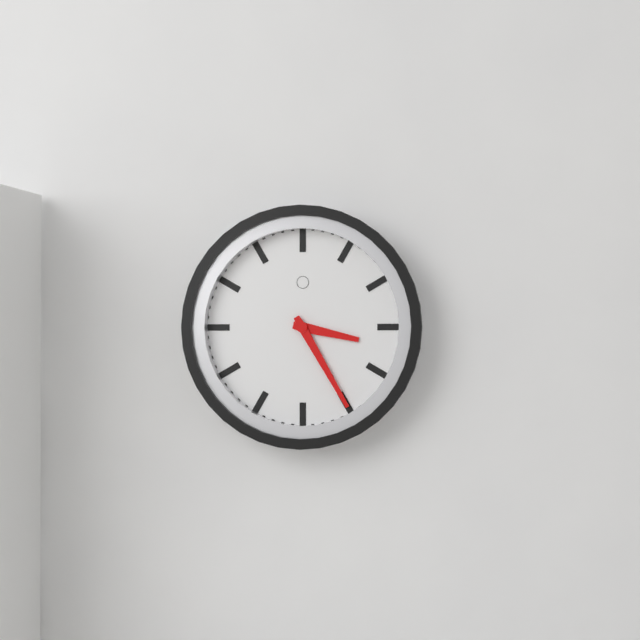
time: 3:25
